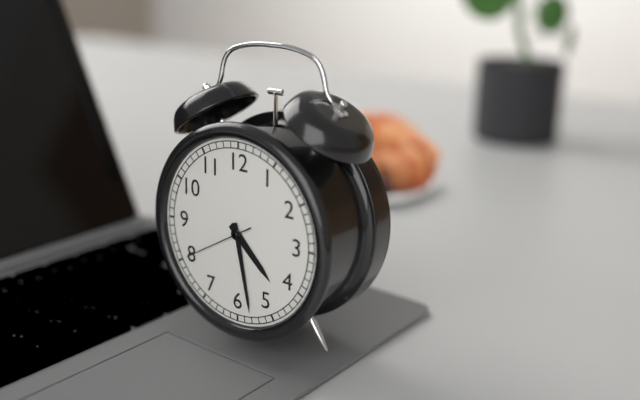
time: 4:28:40
